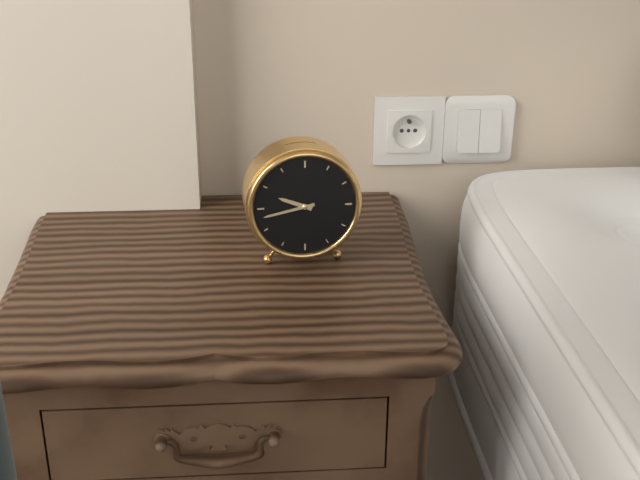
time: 9:43
